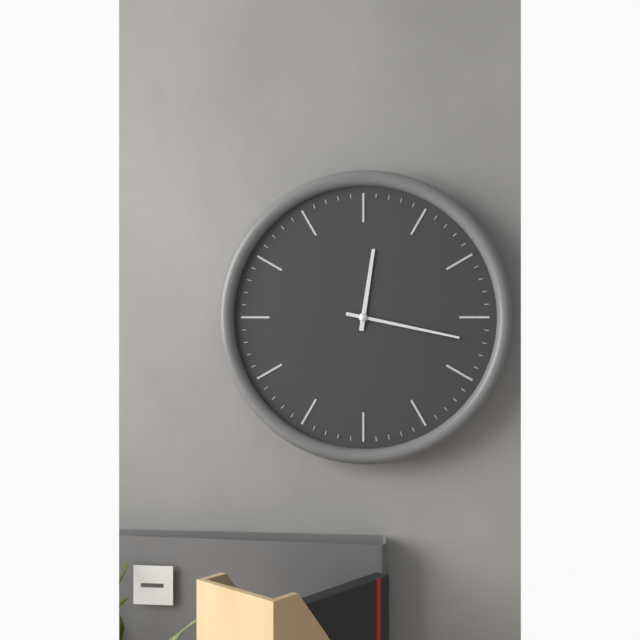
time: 12:17
